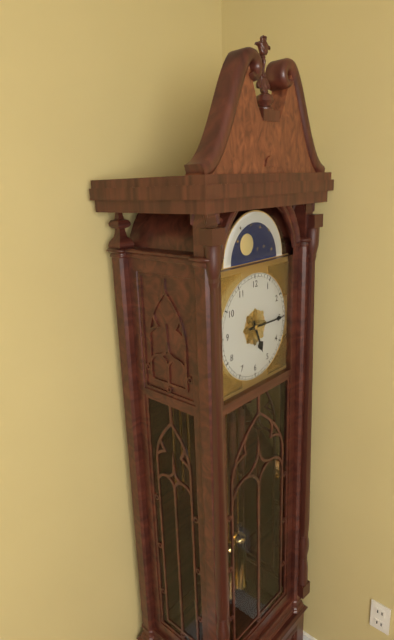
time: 5:15
